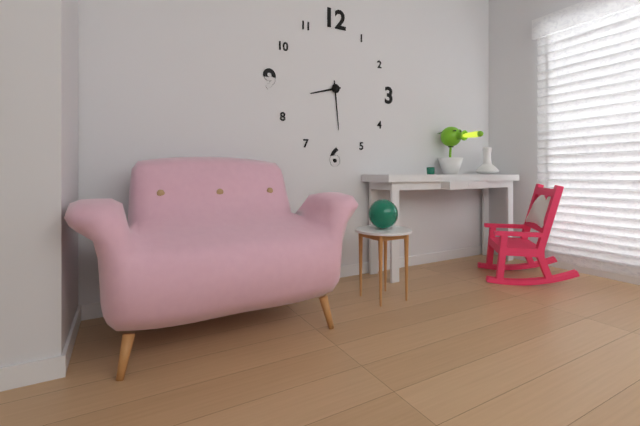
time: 8:29
